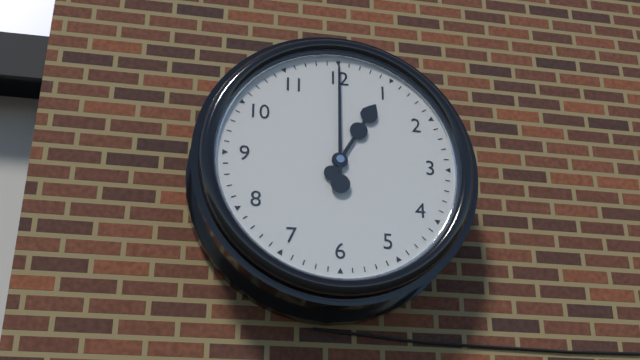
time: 1:00
